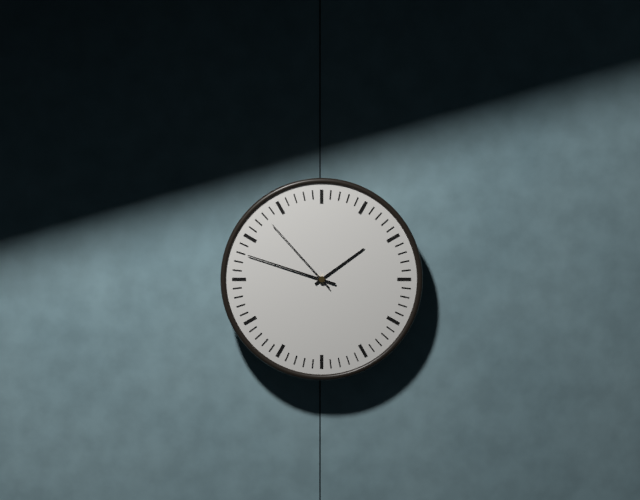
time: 1:48:53
